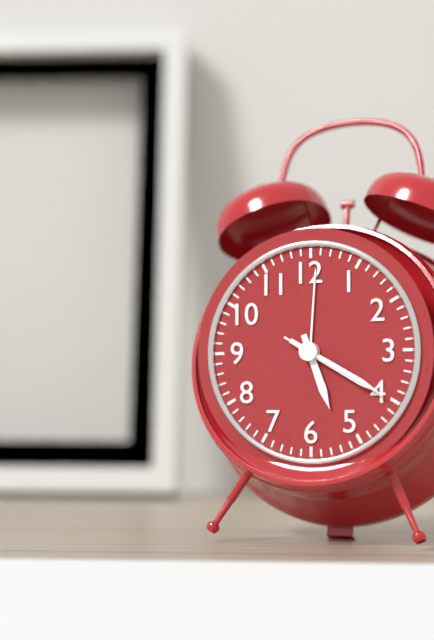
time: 5:20:20
